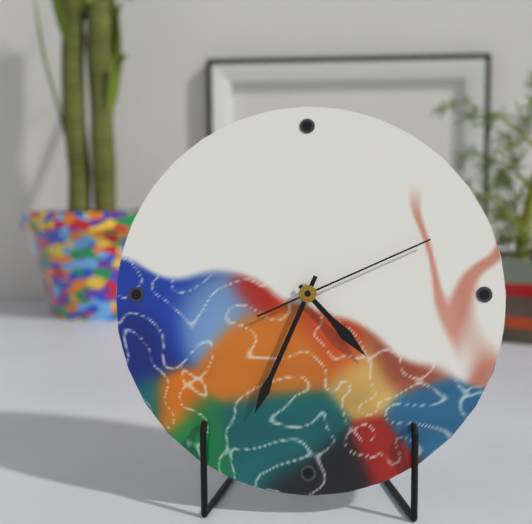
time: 4:34:11
